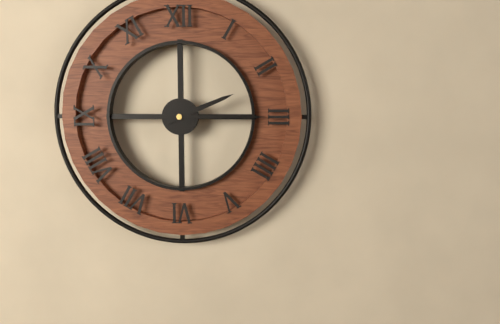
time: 2:15
